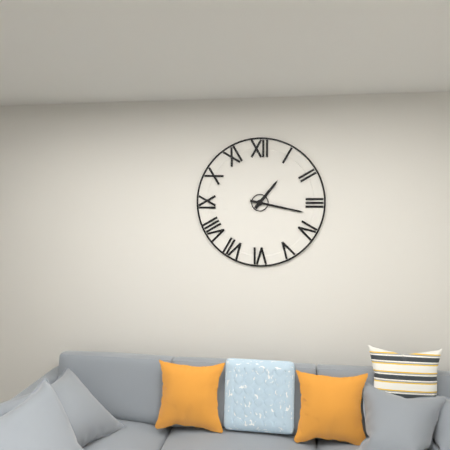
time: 1:17
